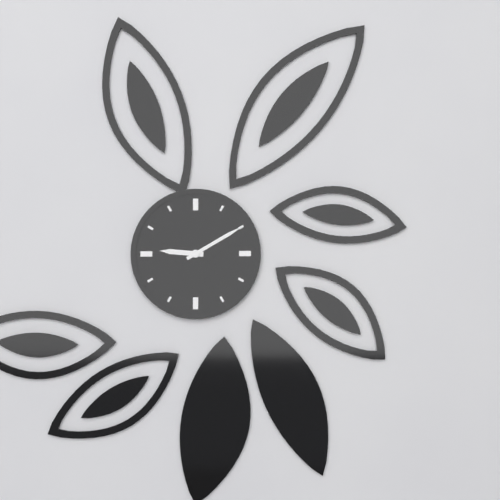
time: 9:10
